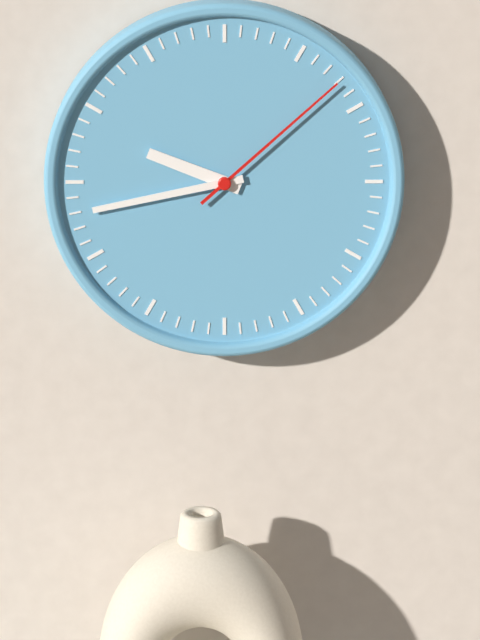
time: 9:43:08
